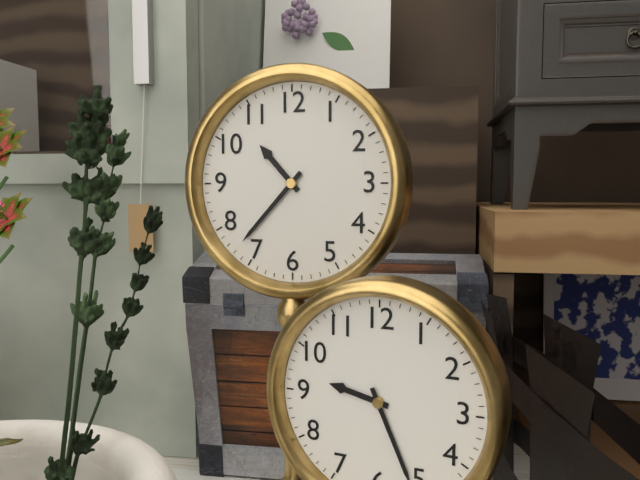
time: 10:37
